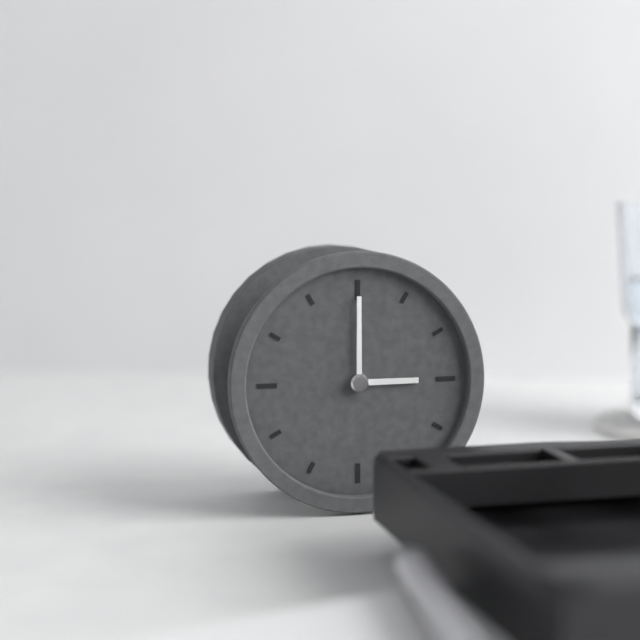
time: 3:00
